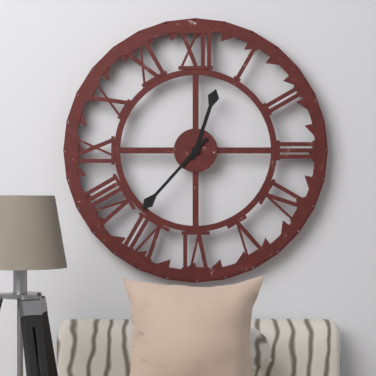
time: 12:37
